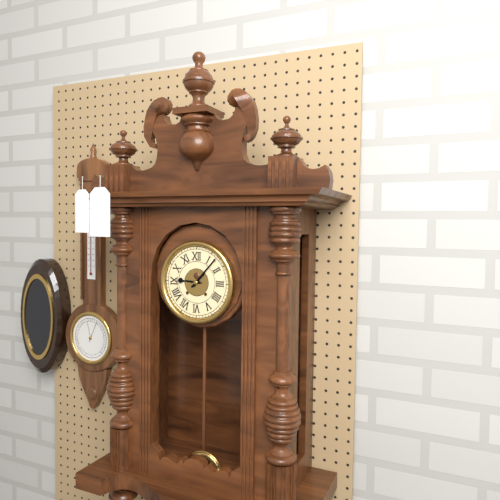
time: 9:07
